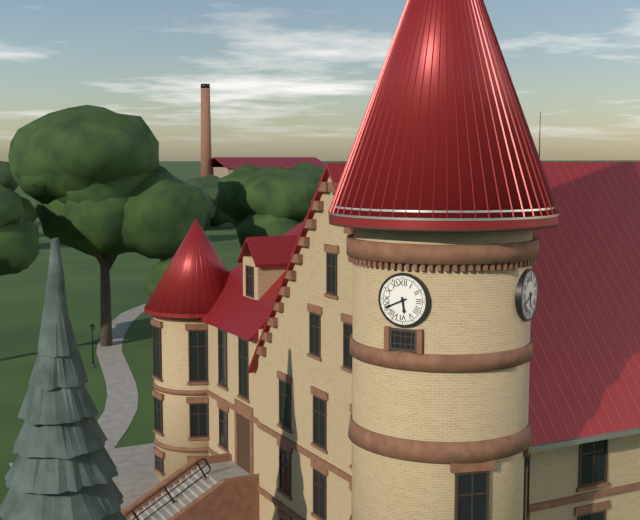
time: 5:41
